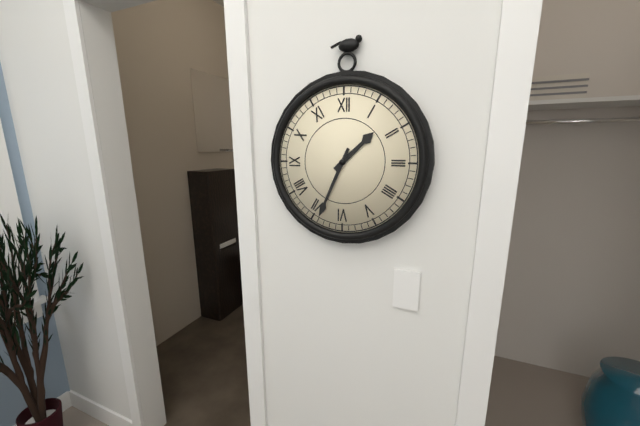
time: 1:34
